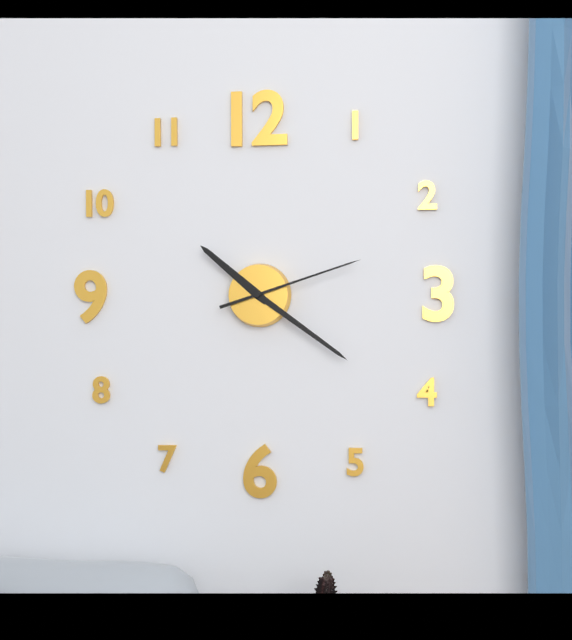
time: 10:21:12
